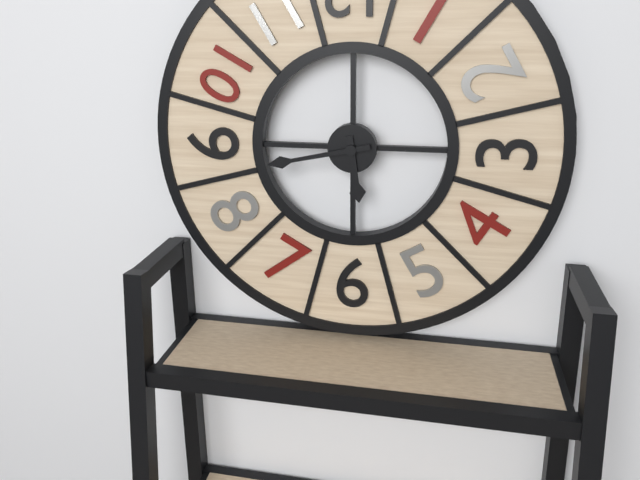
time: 5:43
